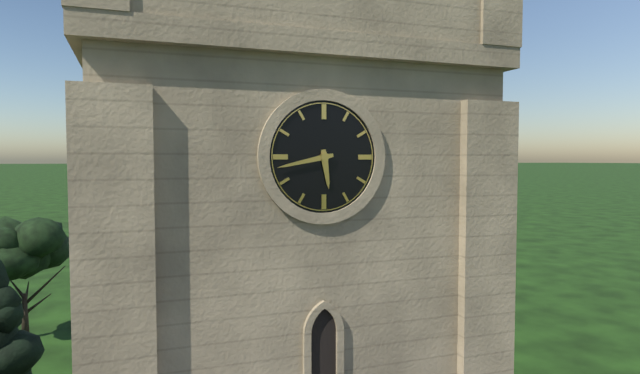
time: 5:43
